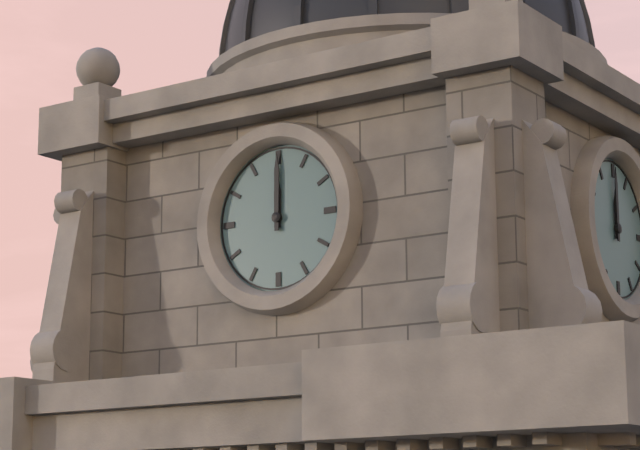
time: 12:00
